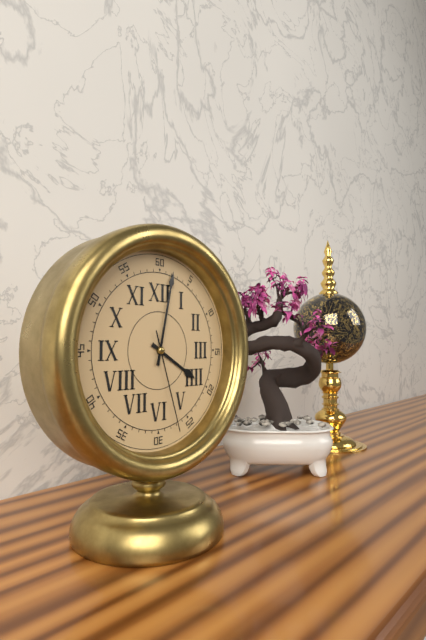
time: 4:02:27
